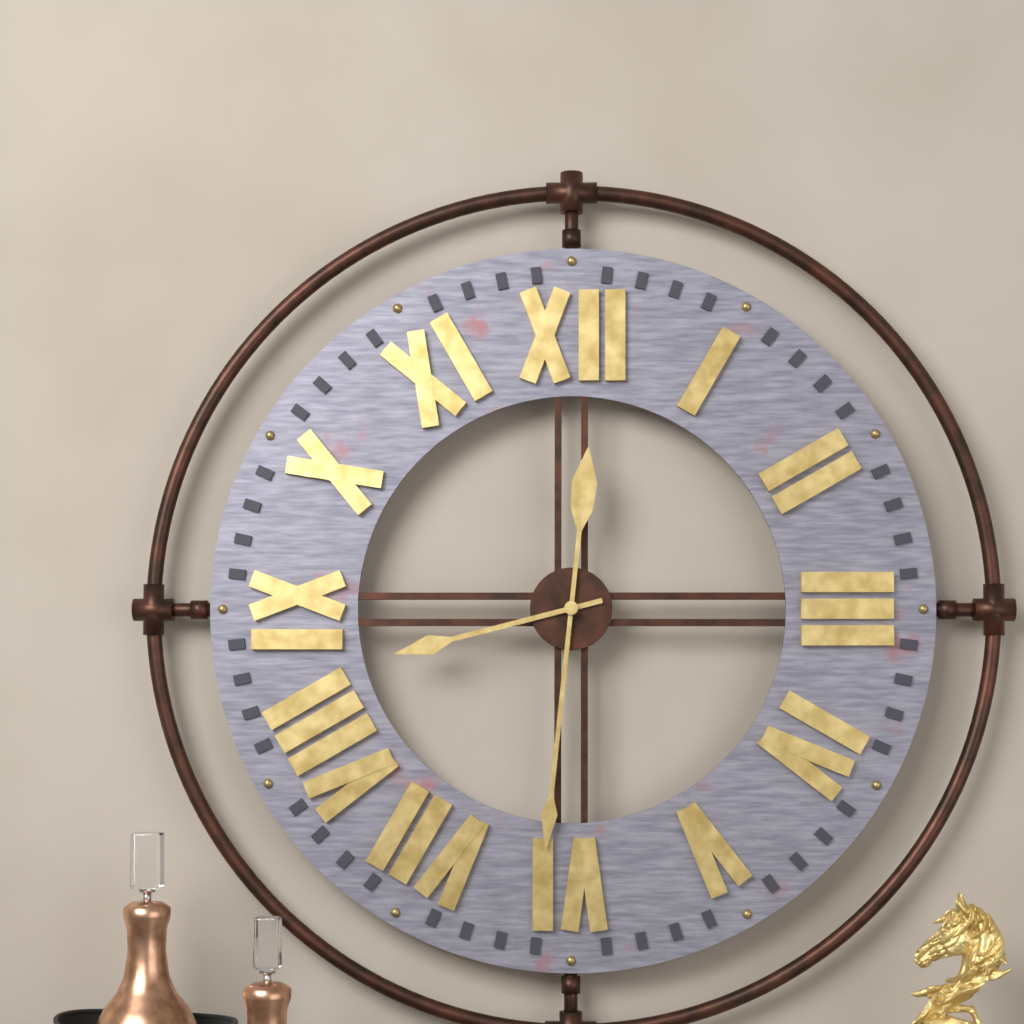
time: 8:31
